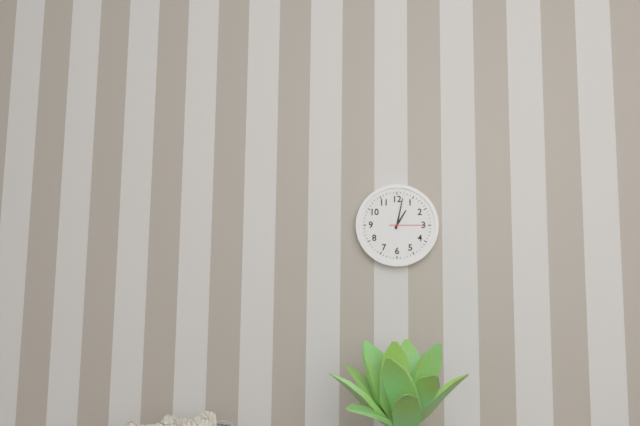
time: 1:02
